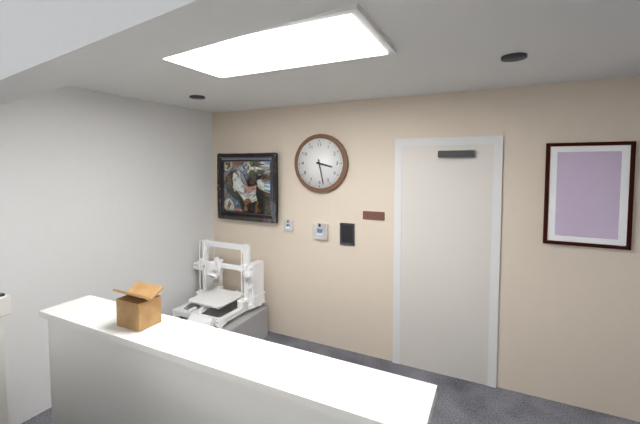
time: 3:28
